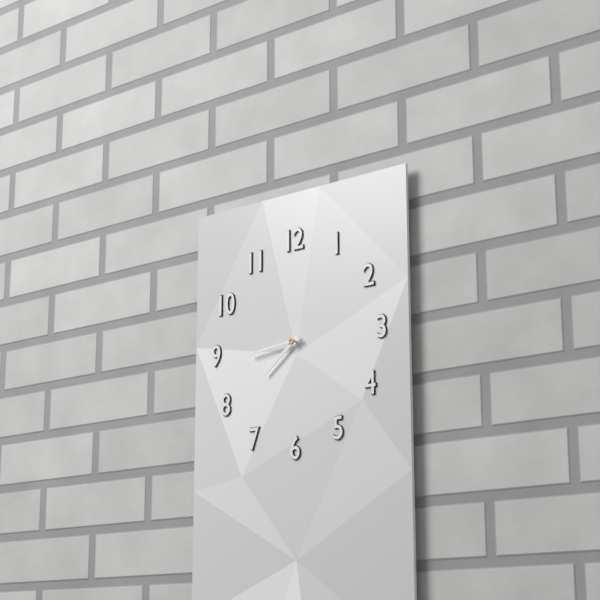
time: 7:44
